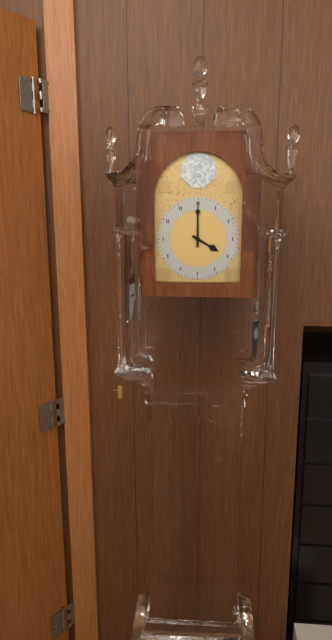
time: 4:00
